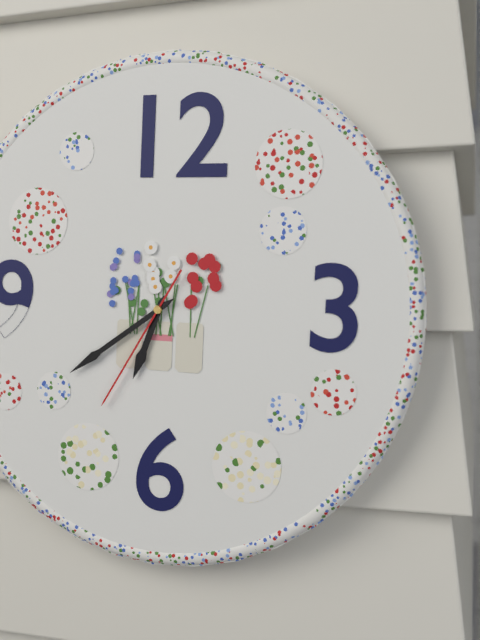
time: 6:39:35
